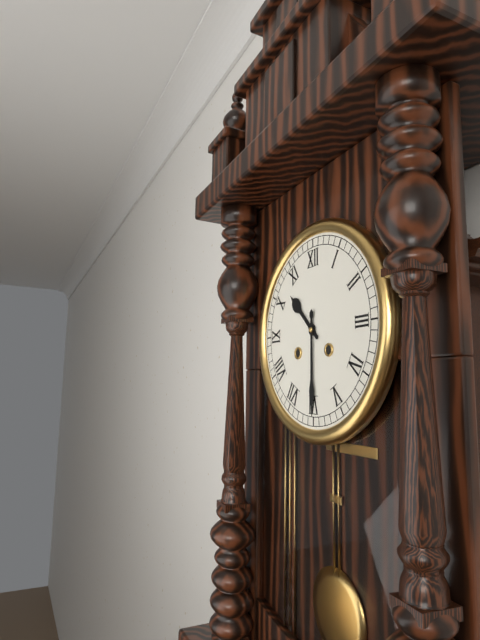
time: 10:30
